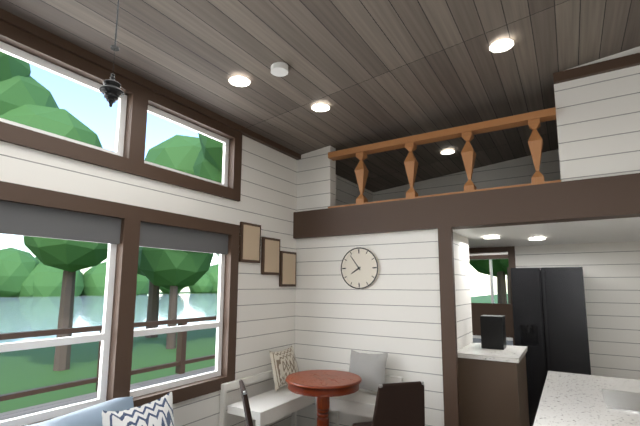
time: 7:54
